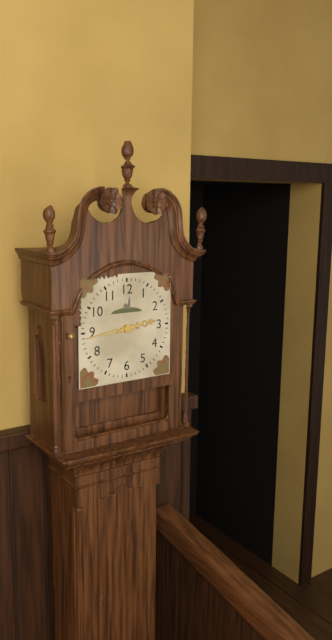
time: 2:44
